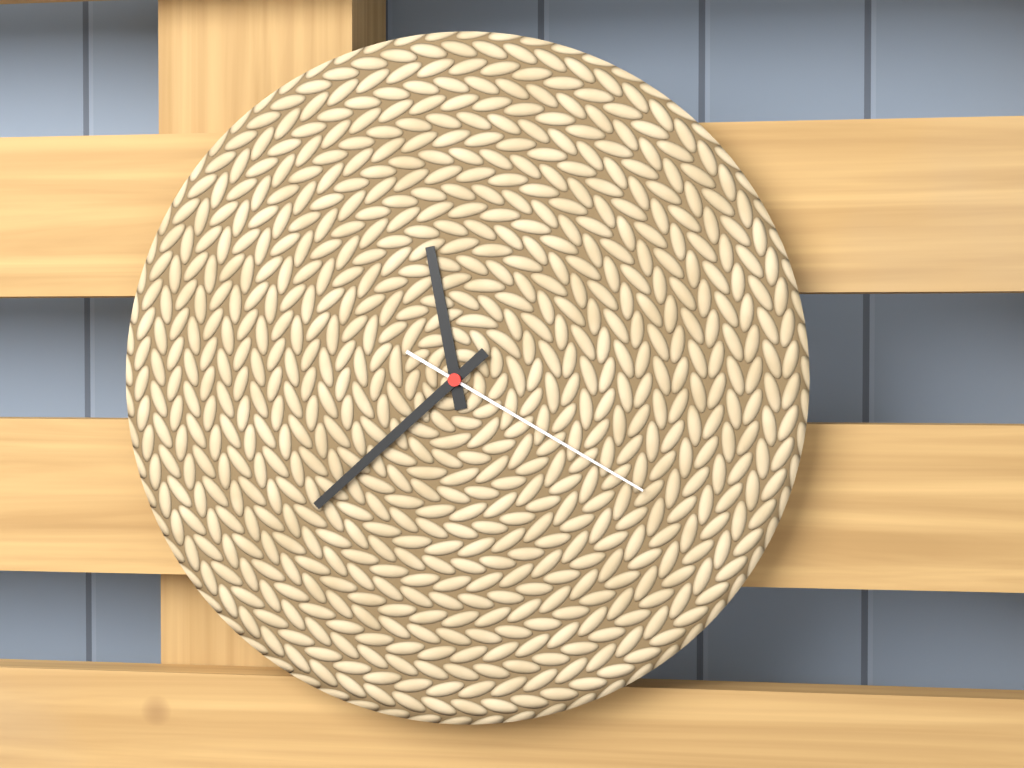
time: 11:38:20
